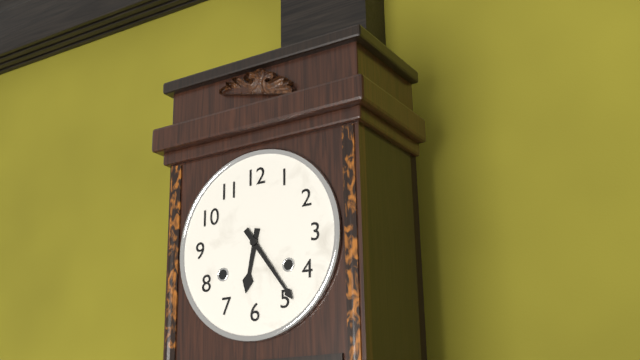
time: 6:24
